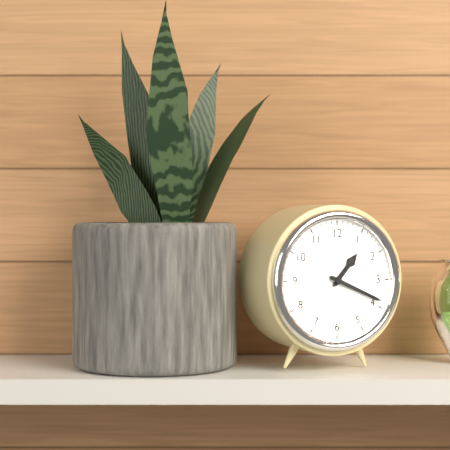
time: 1:19
